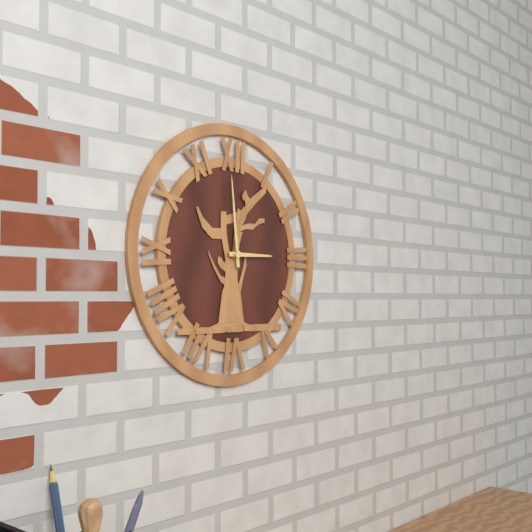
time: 2:59
